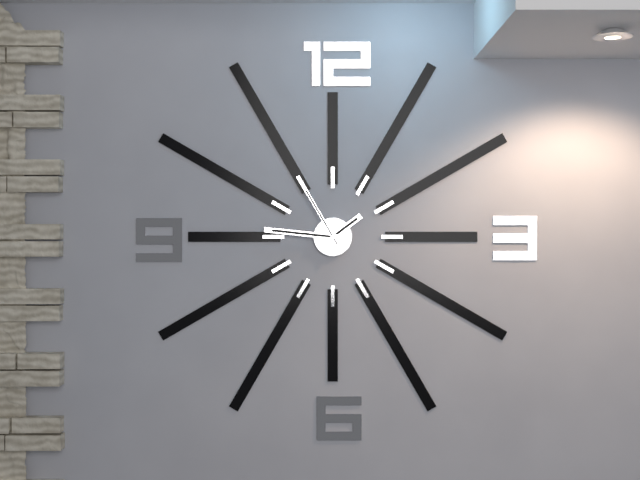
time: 1:46:55
